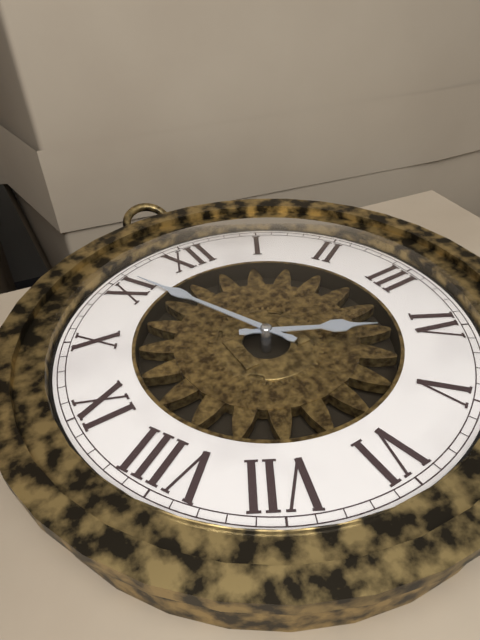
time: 3:56
